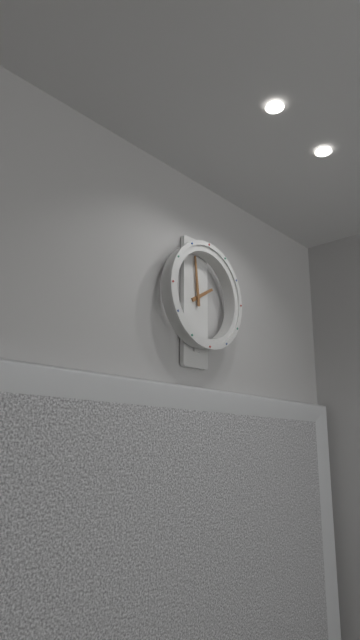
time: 1:59
